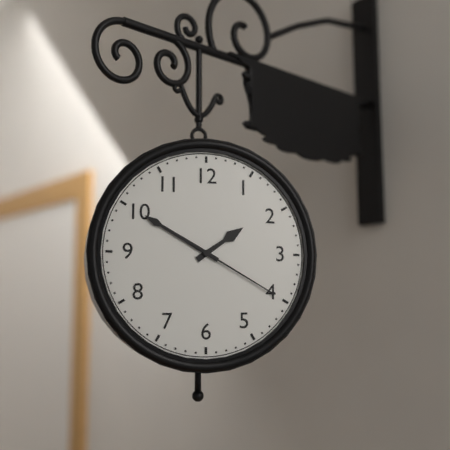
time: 1:50:20
